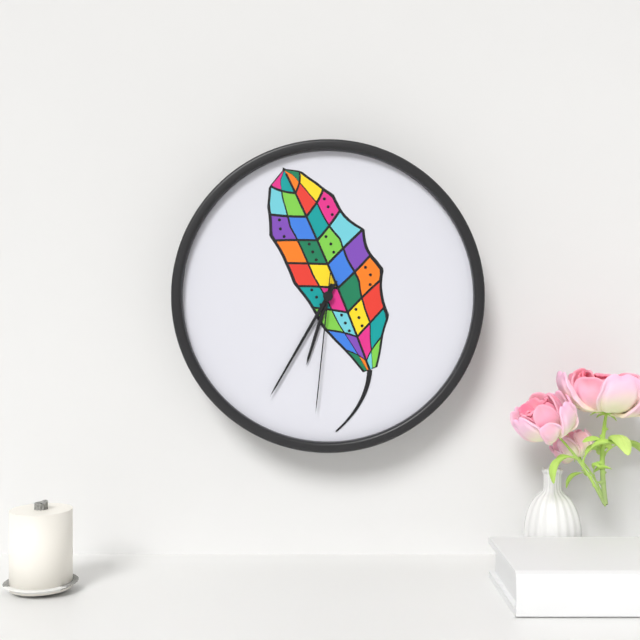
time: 6:35:31
